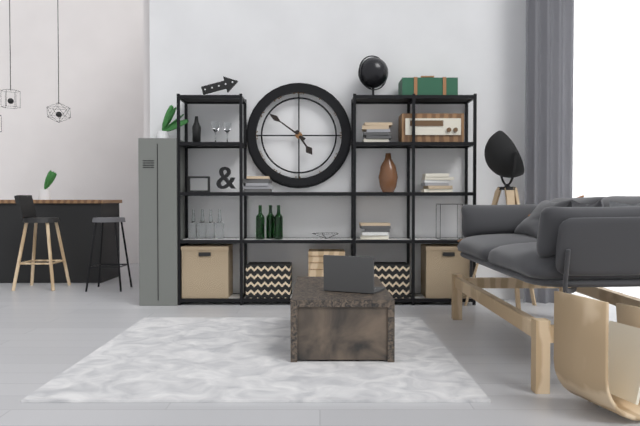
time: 4:51
